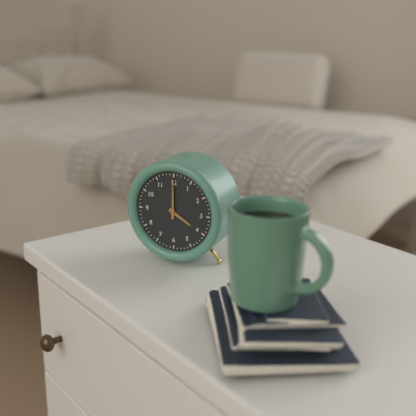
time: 4:00
